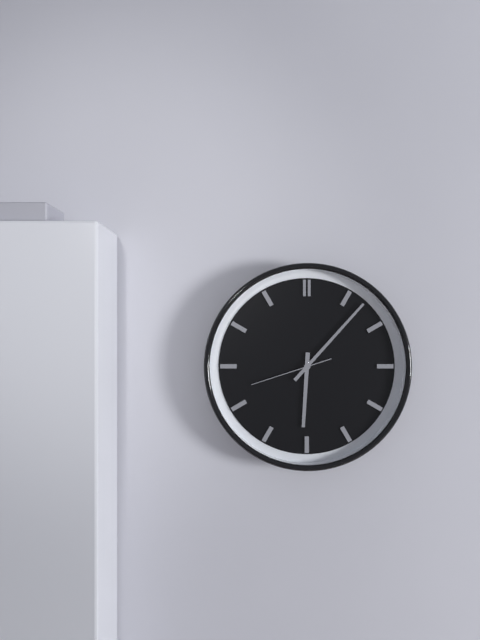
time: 6:07:42
